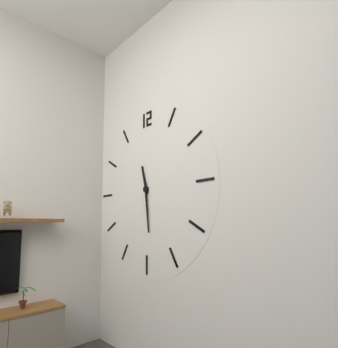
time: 11:29
